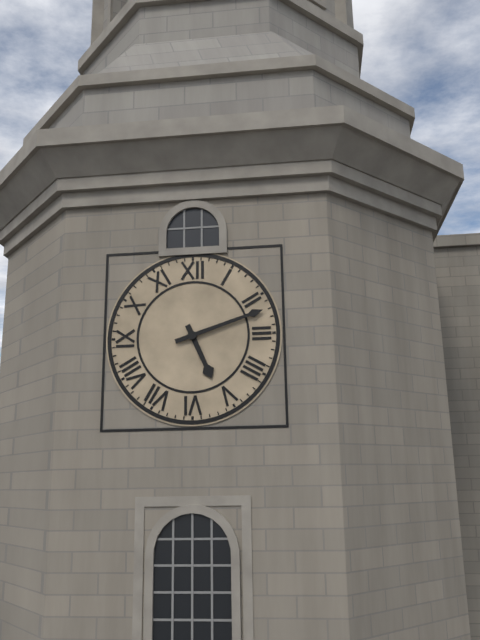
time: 5:12
